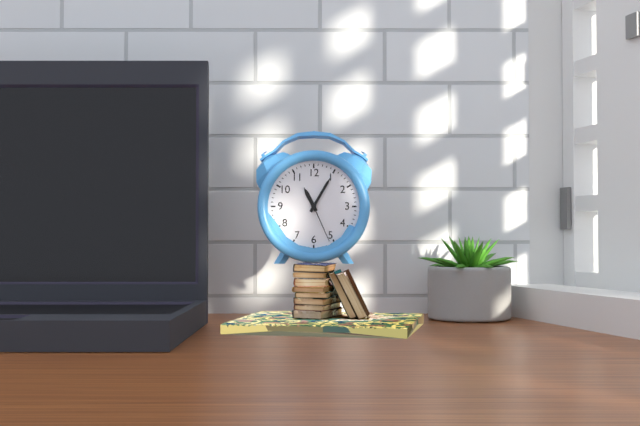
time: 11:05
